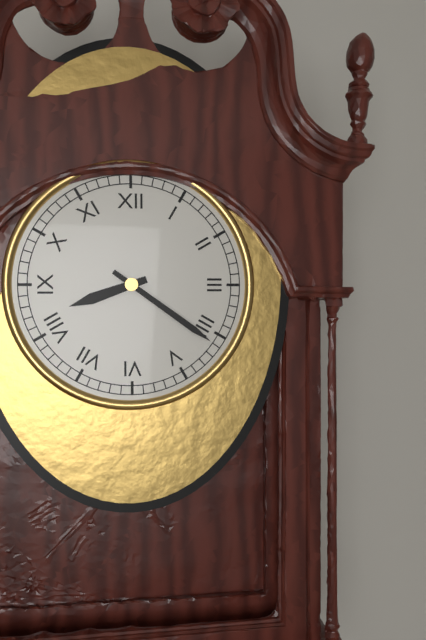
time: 8:21
